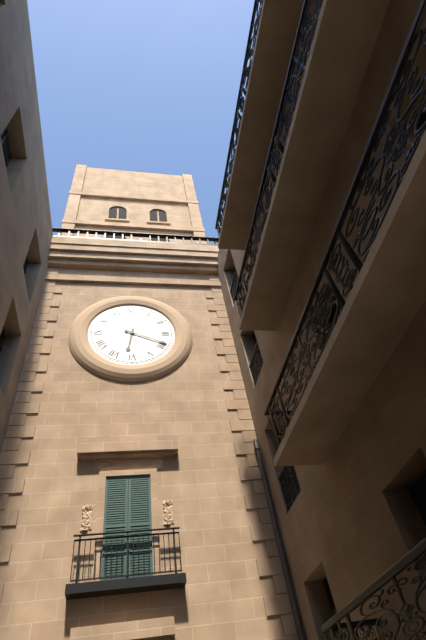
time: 6:19
